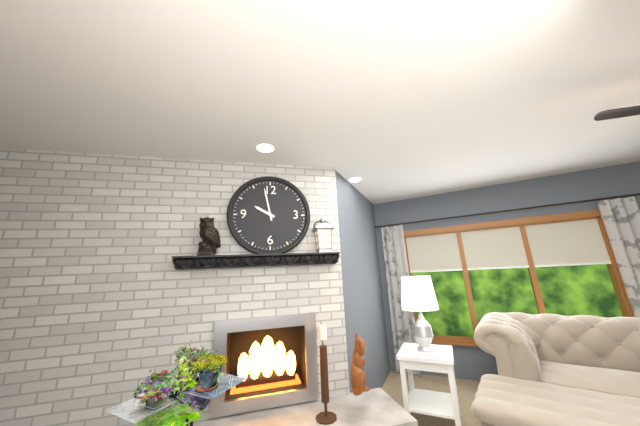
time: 9:58
